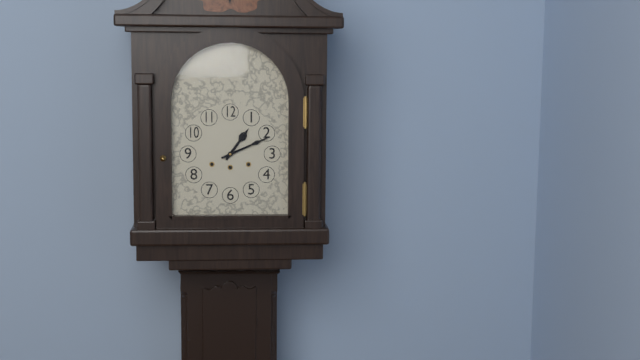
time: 1:11
